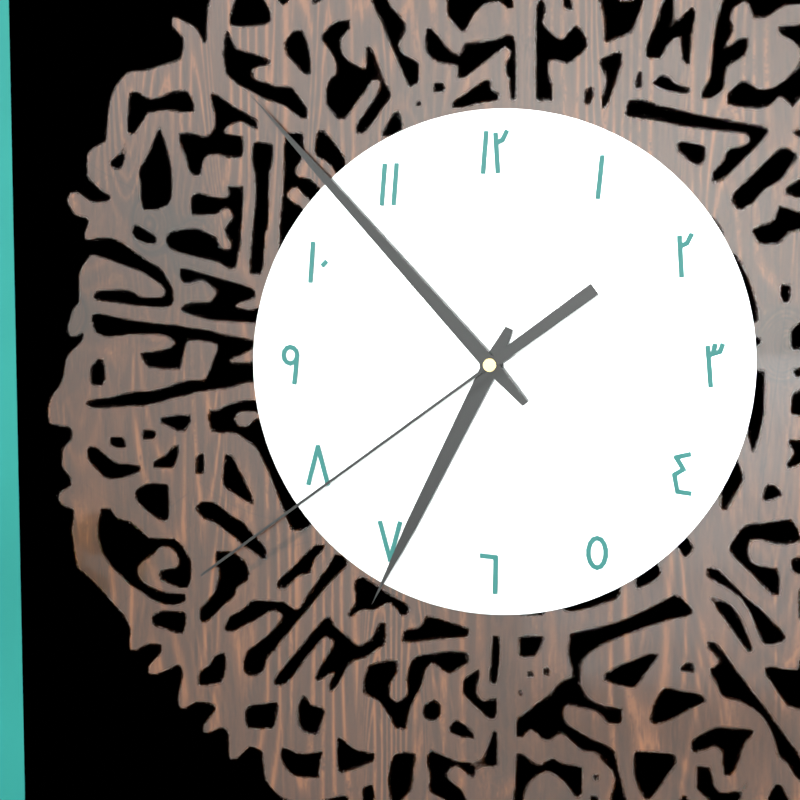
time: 6:53:39
